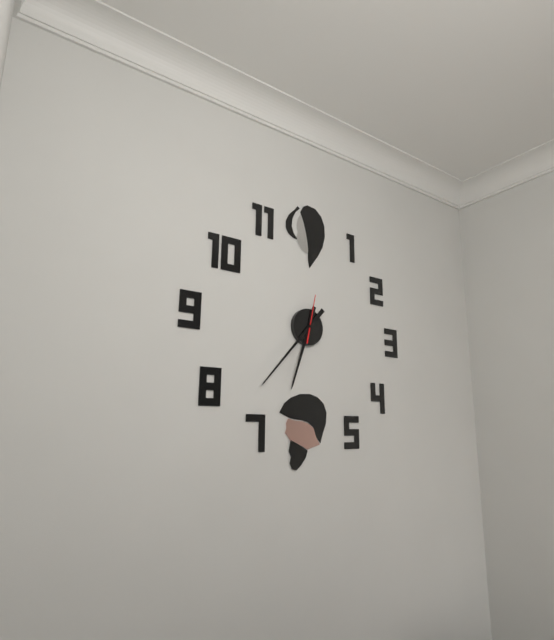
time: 6:37
